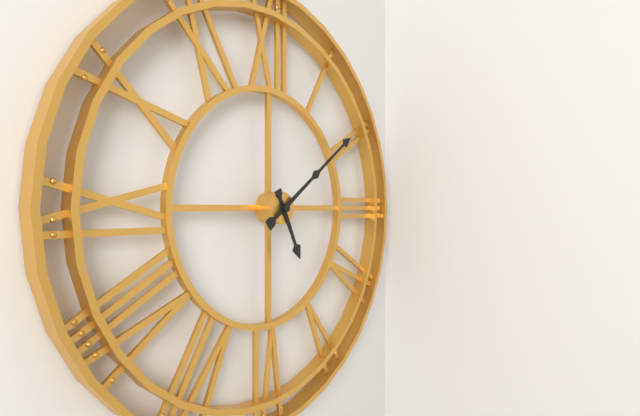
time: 5:09
